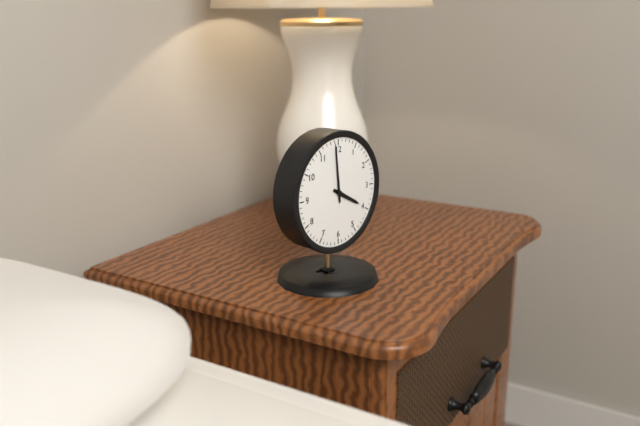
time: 3:59
